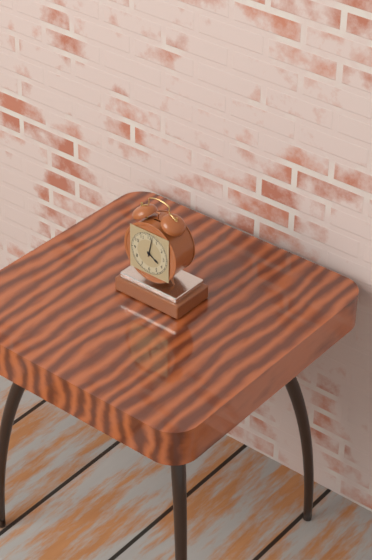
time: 4:02
